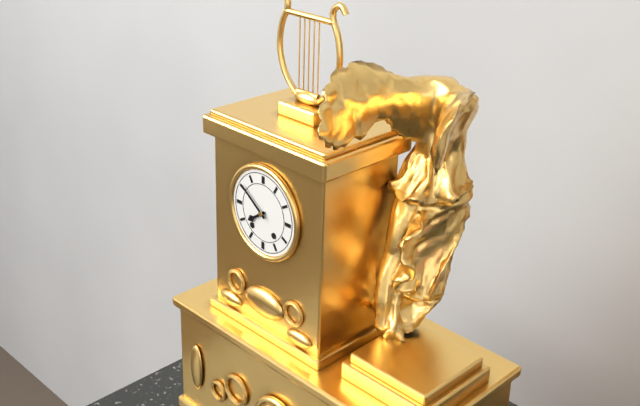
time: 7:51
